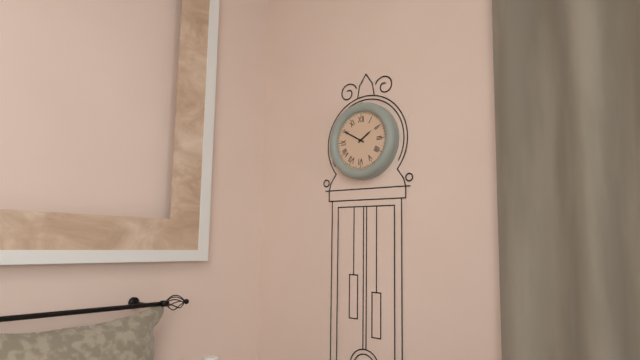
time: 1:50
